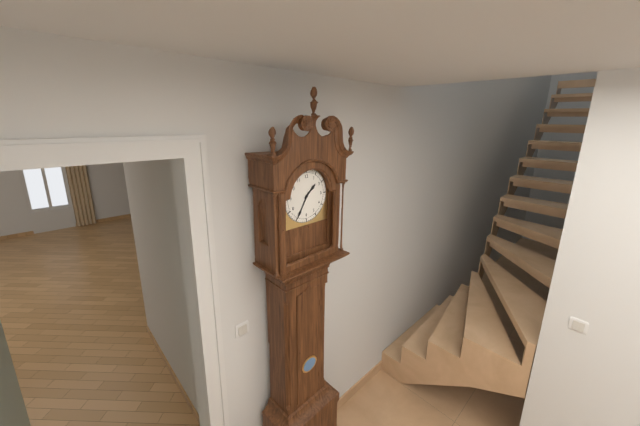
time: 1:35
